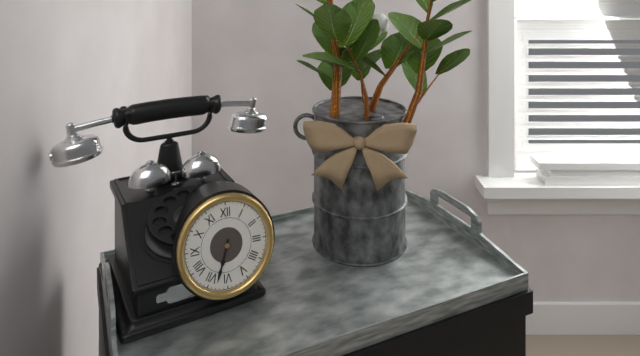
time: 6:33
